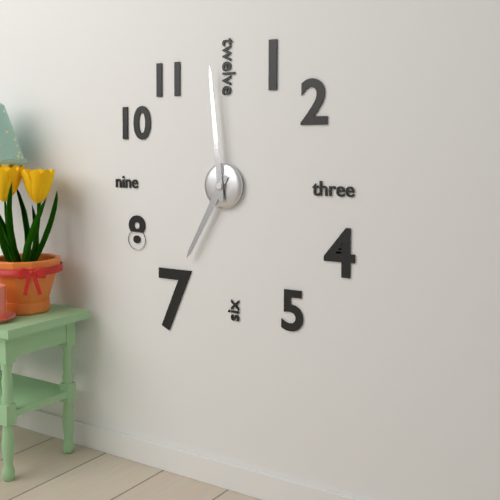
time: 6:59
